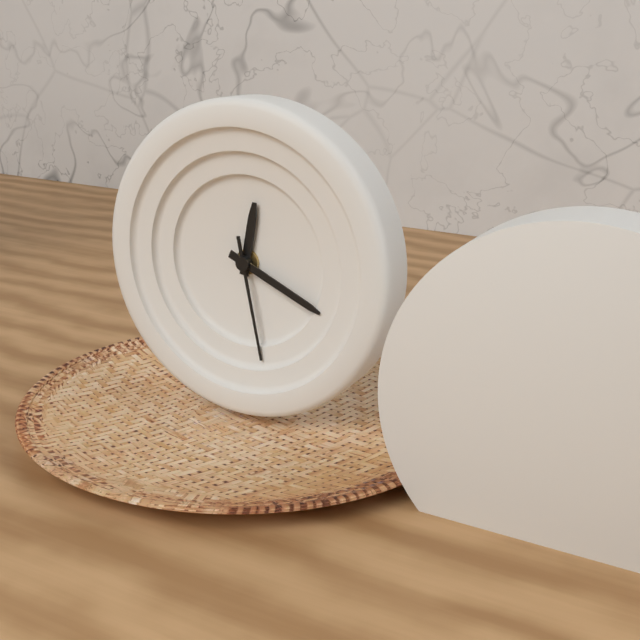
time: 12:19:28
